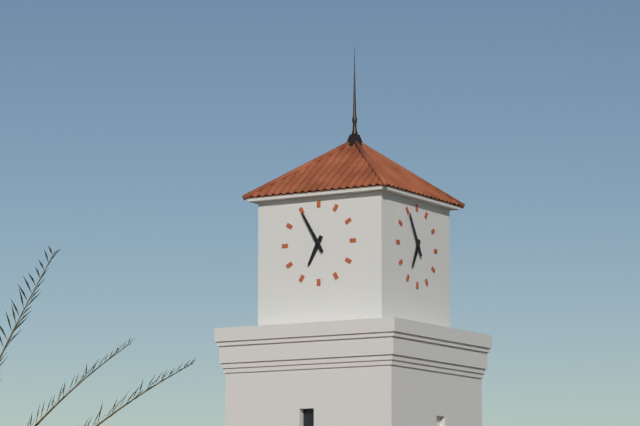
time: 6:55
